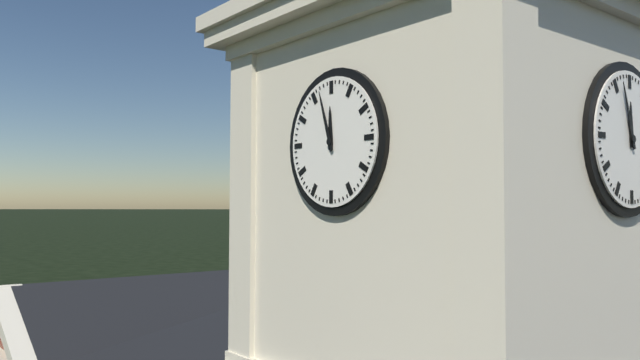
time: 11:57
